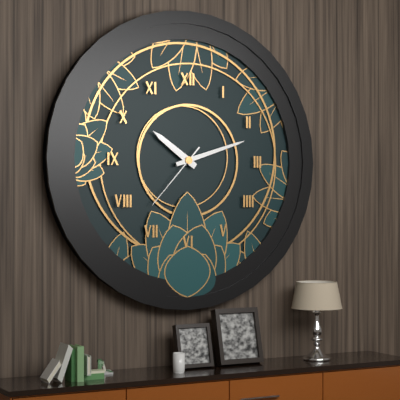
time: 10:12:37
